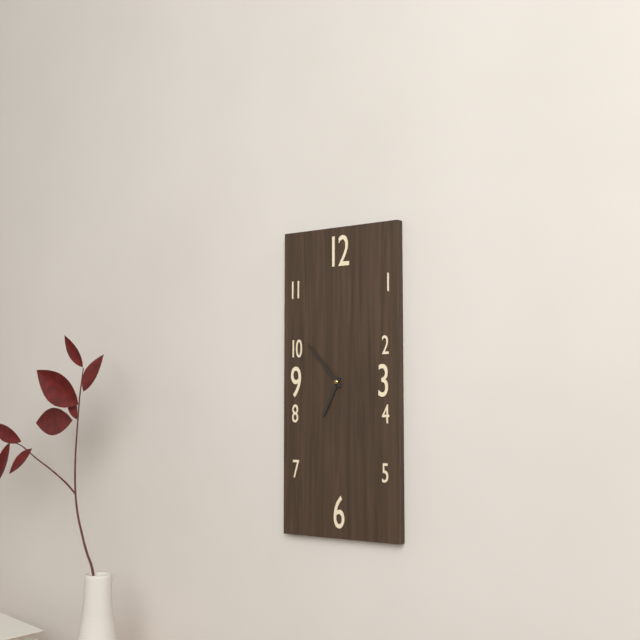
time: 6:53
